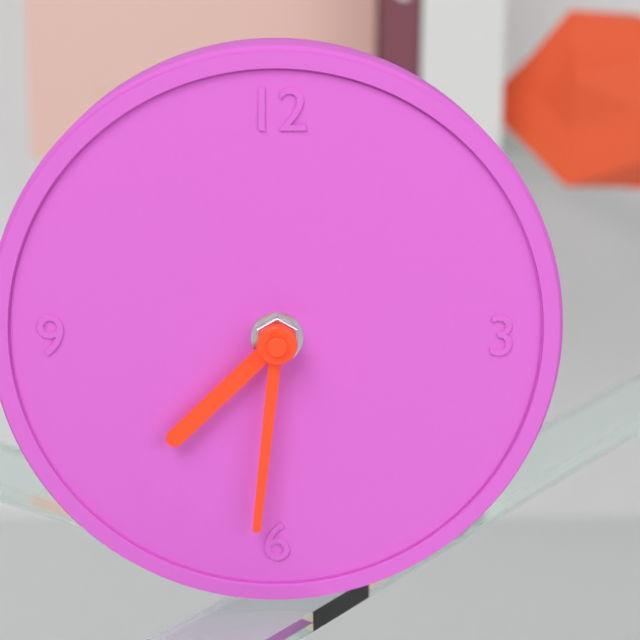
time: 7:31
